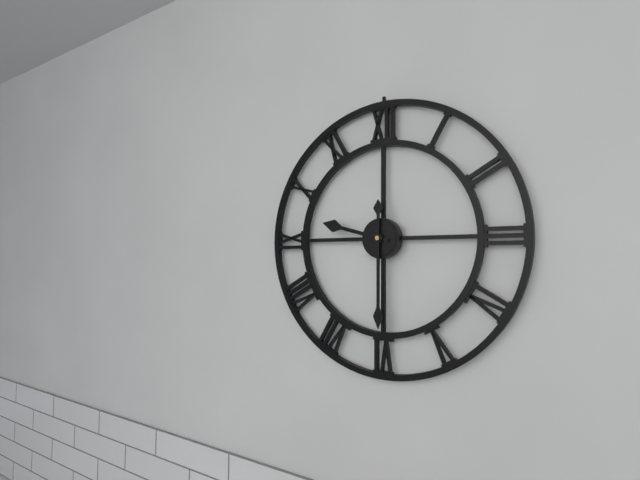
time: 9:30
